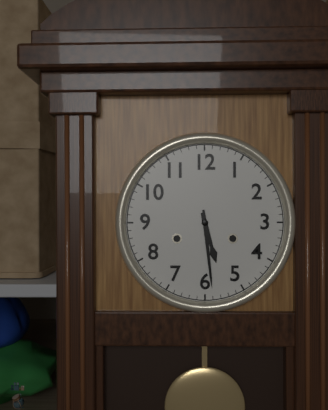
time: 5:29
